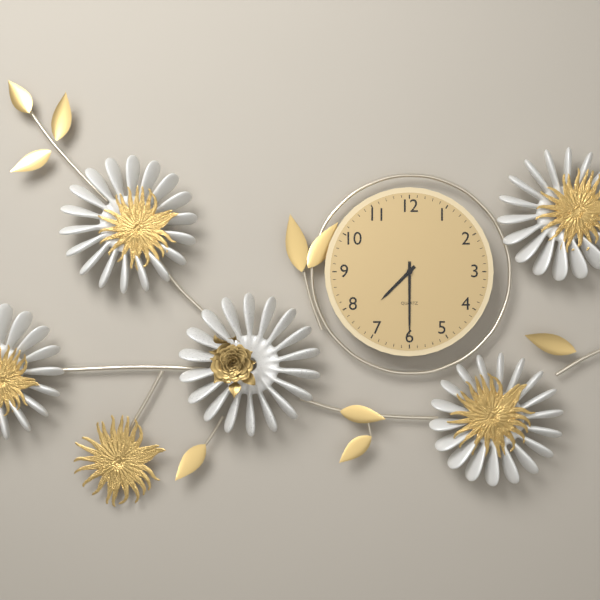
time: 7:30
